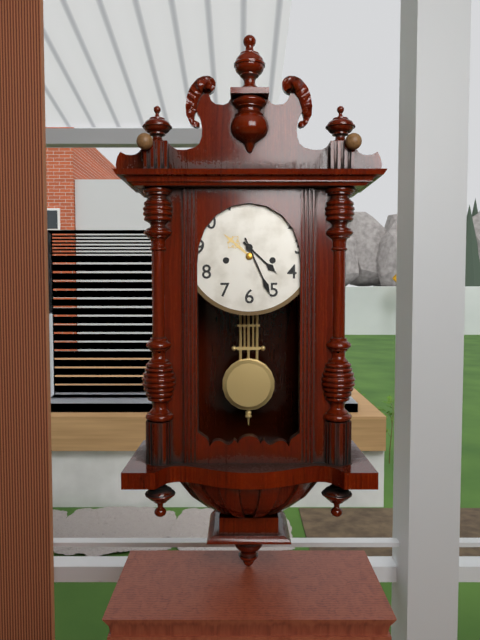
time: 4:26
